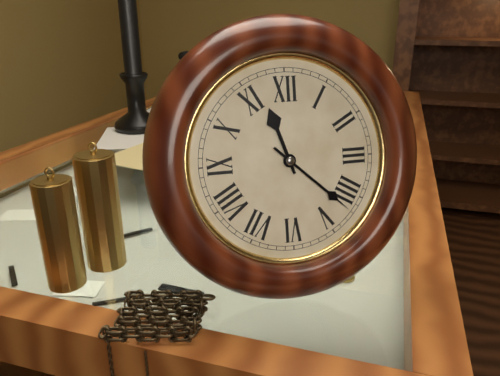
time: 11:22
